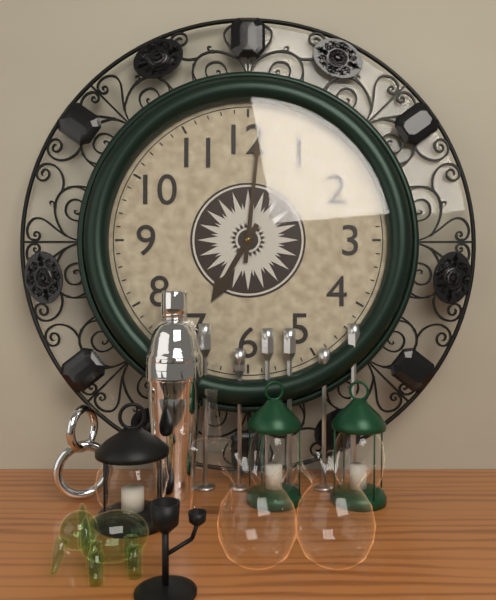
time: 7:01
